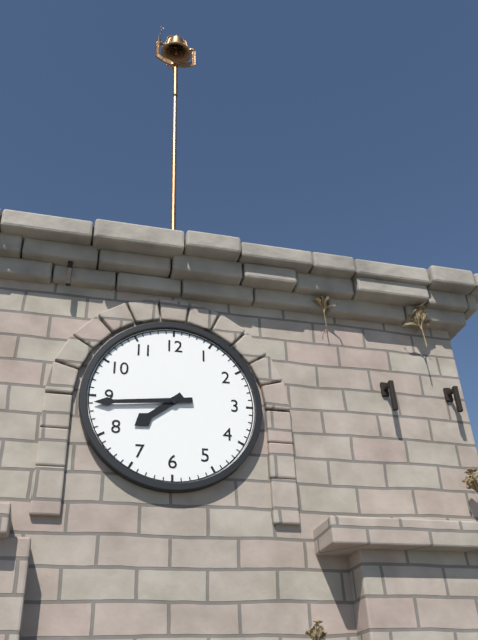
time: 7:44
